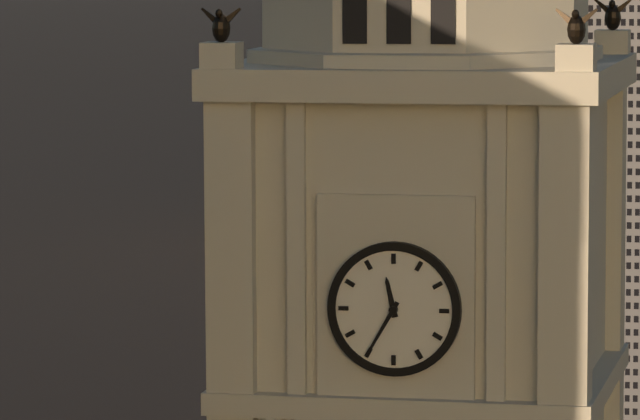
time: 11:35
